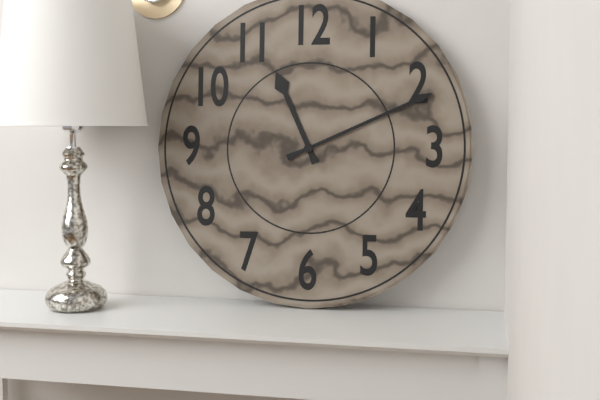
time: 11:11
